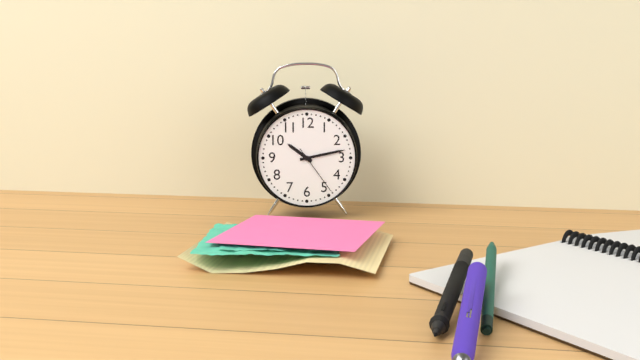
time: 10:13:24
